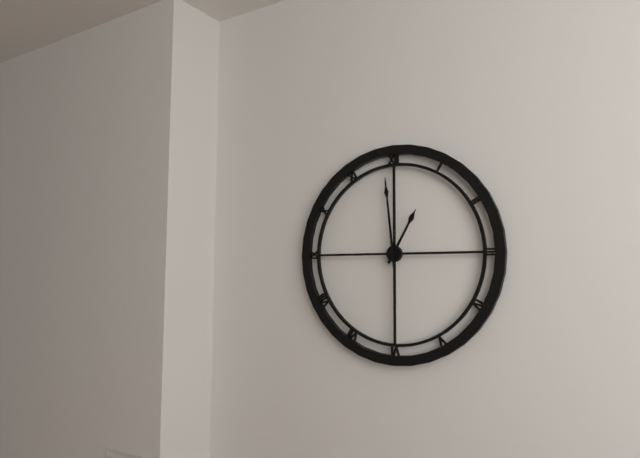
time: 12:59
